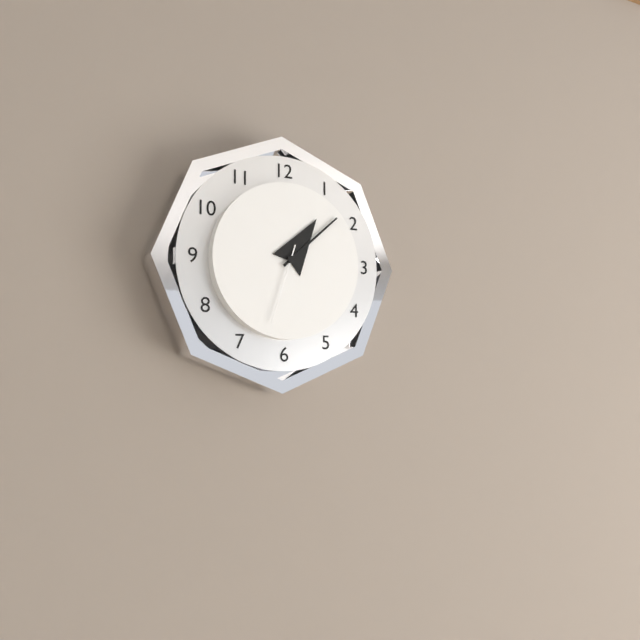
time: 1:08:33
